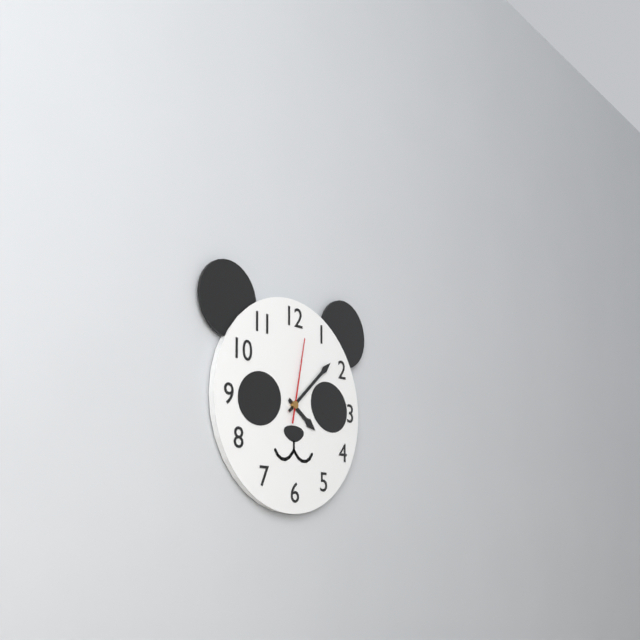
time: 4:08:02
